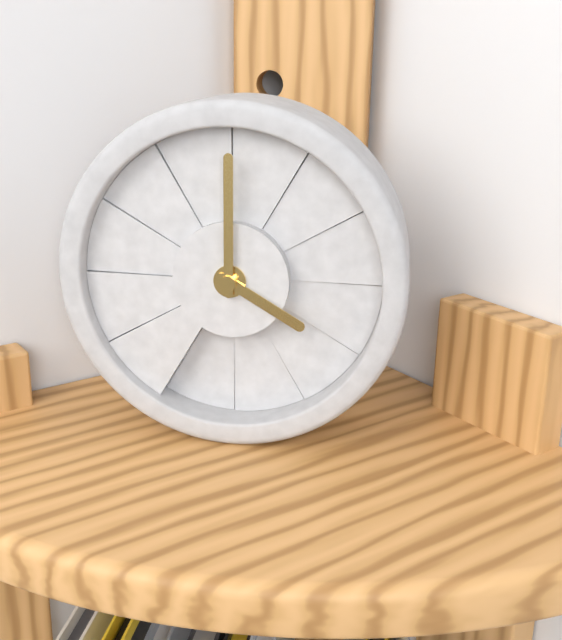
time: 4:00
